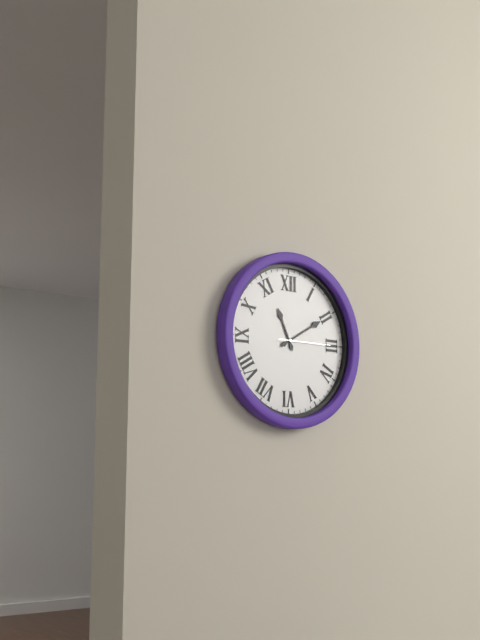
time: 11:10:15
